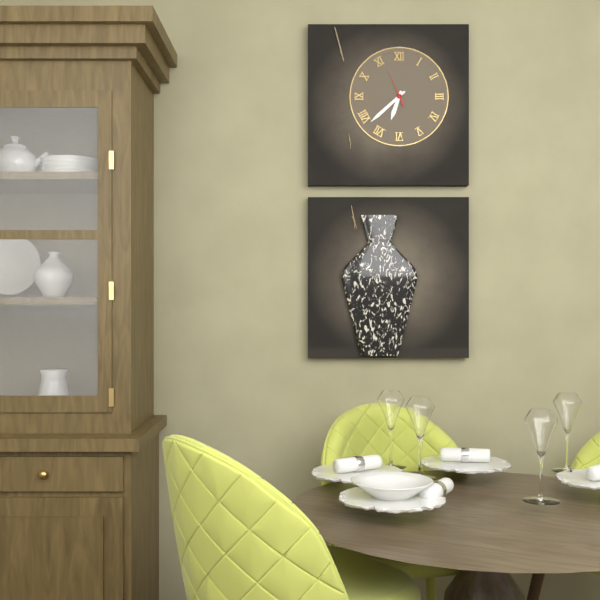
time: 6:38
